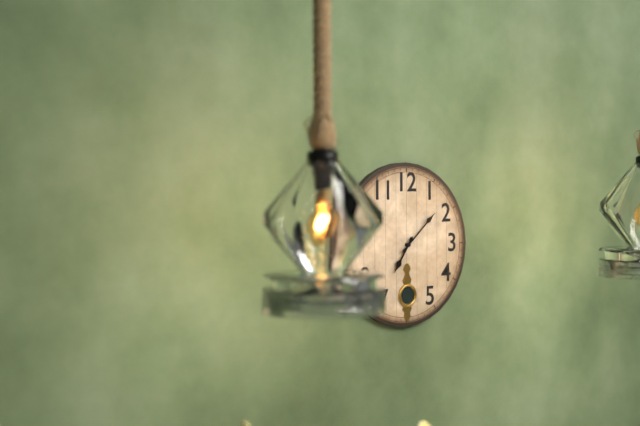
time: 7:08
